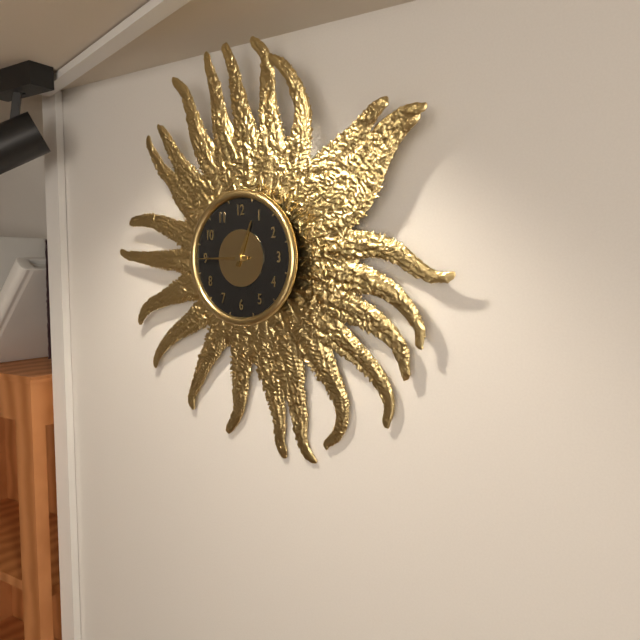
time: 12:45
